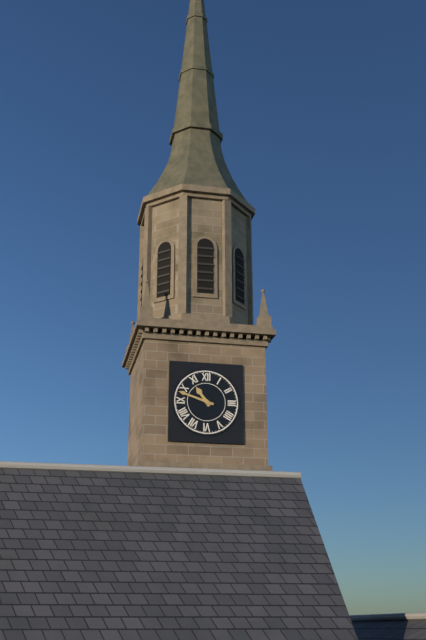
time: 10:48
